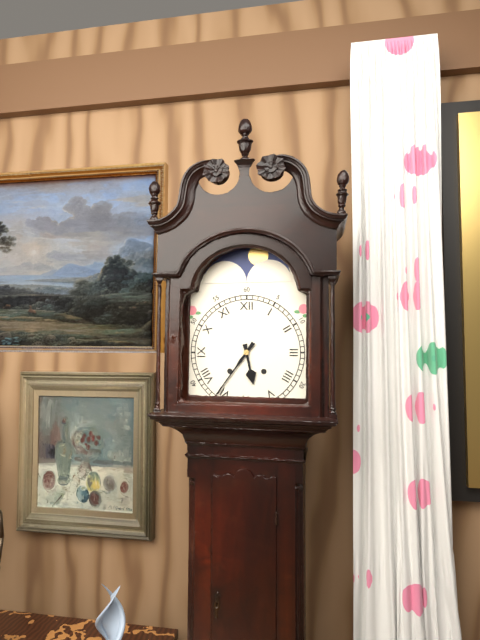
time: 5:36
